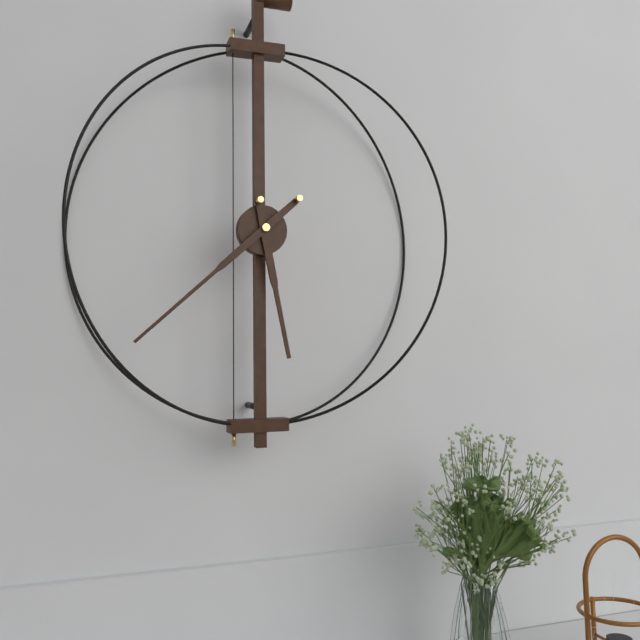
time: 5:38
